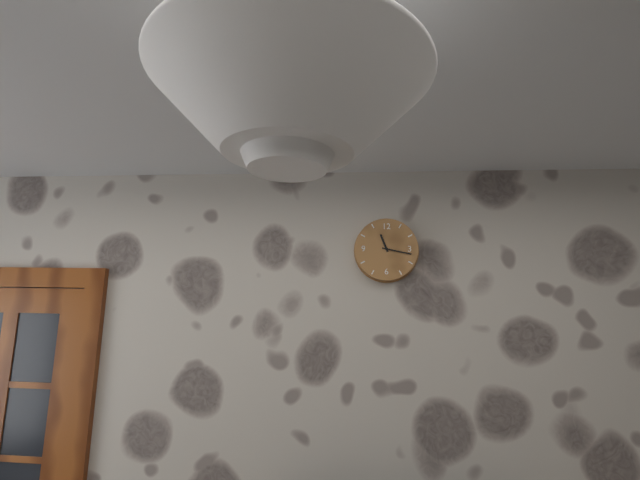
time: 11:17
